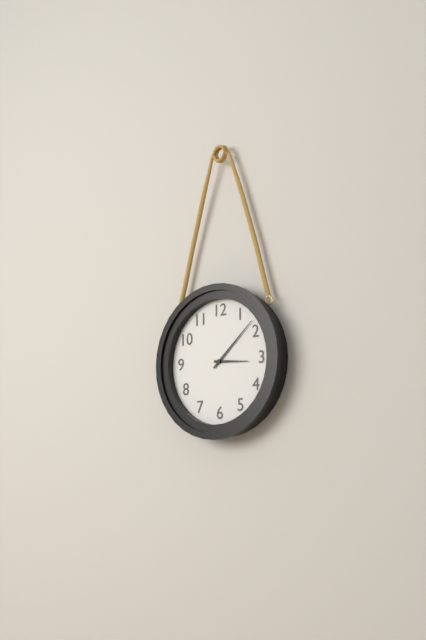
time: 3:08
